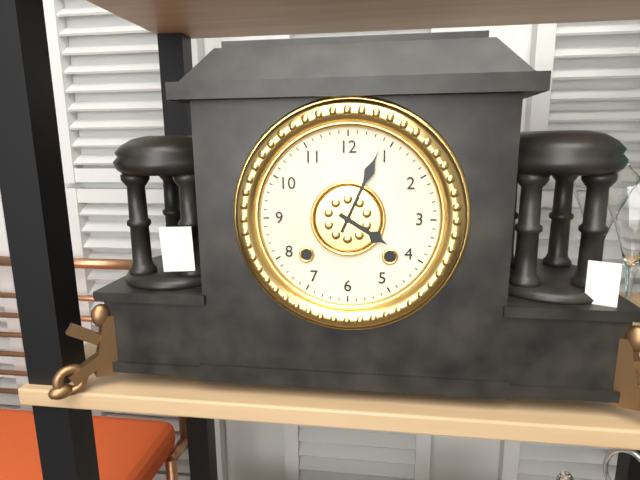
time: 4:04
